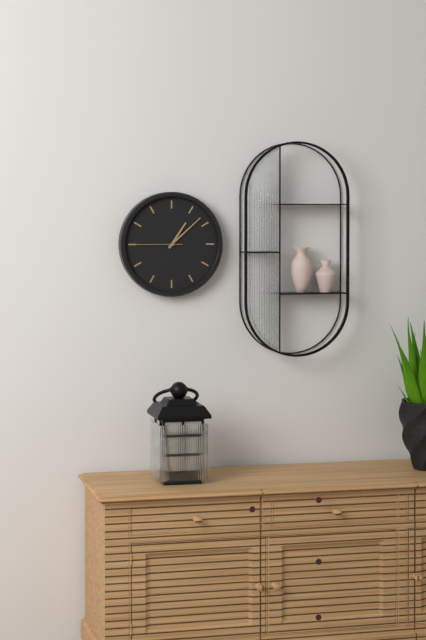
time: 1:08:45
